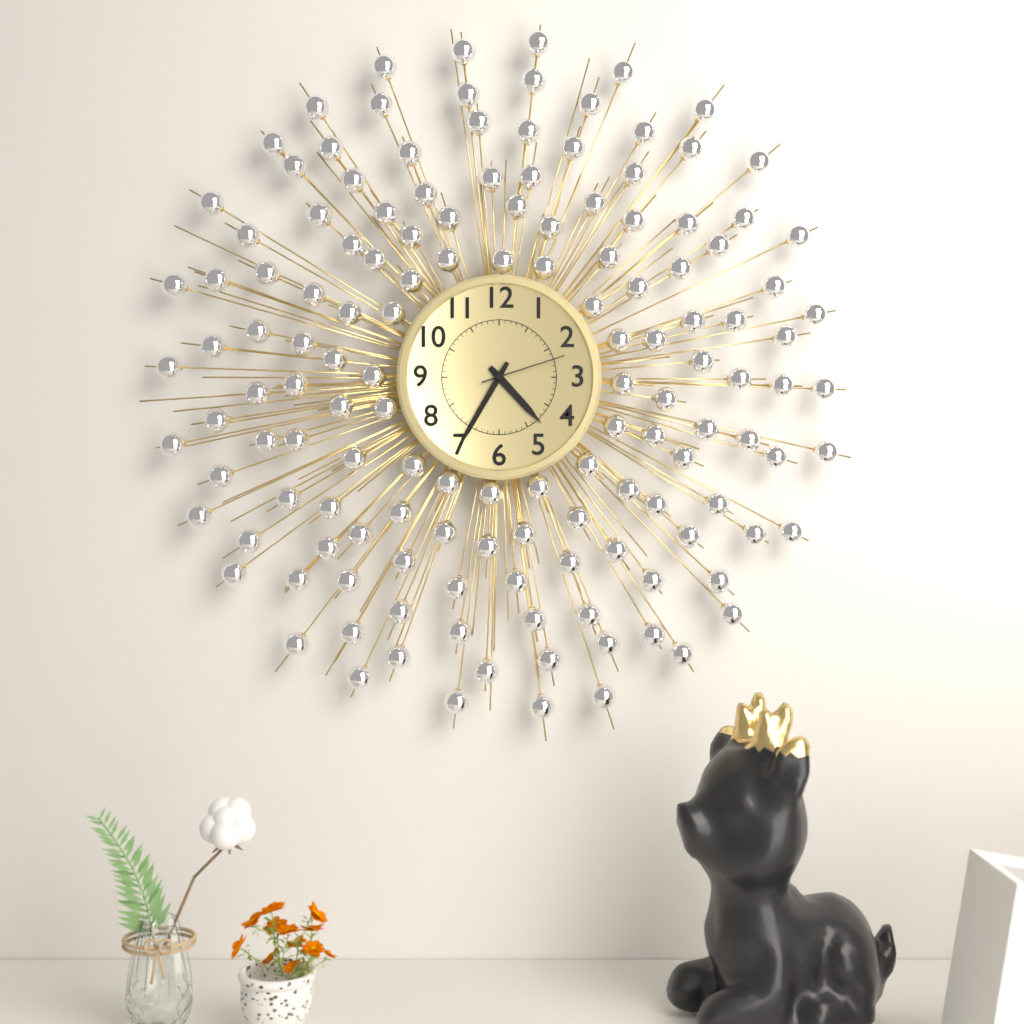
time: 4:35:12
